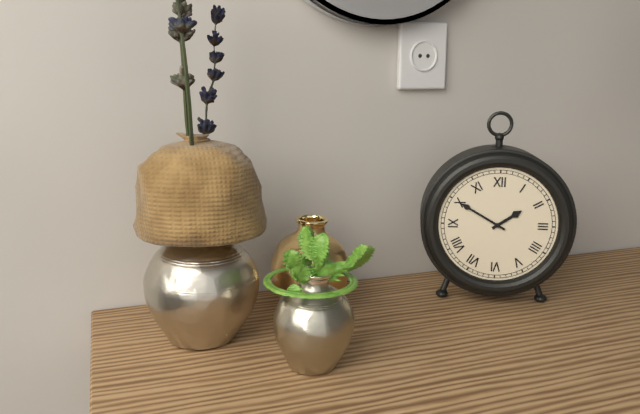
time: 1:50
